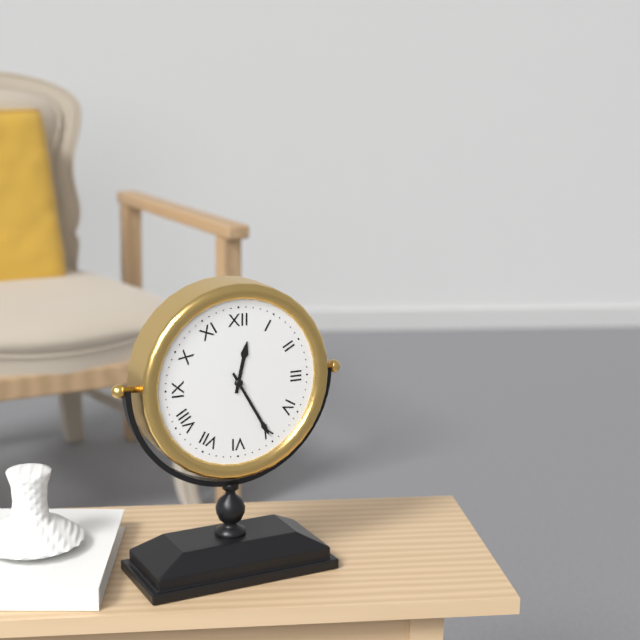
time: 12:25
